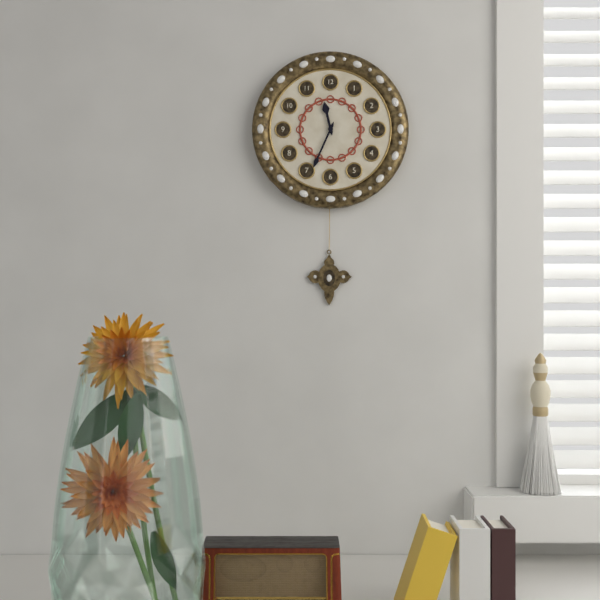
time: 11:34
